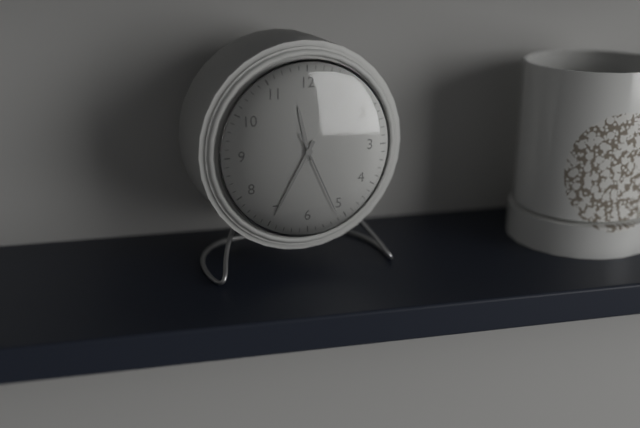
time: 11:35:26
